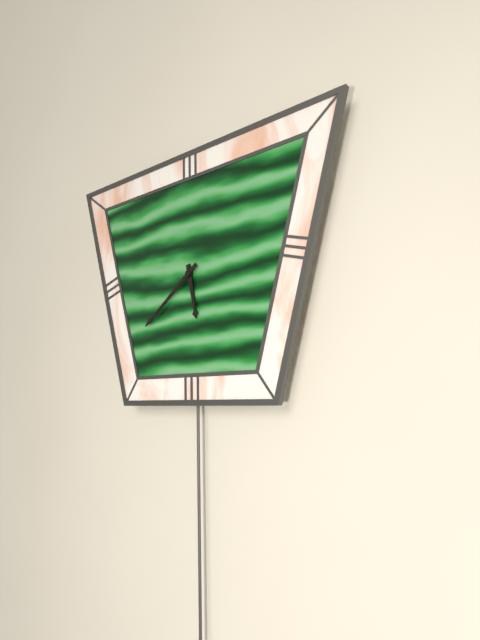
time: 5:39
